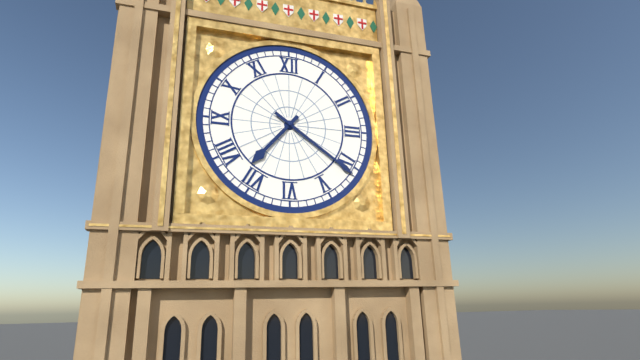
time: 7:21
